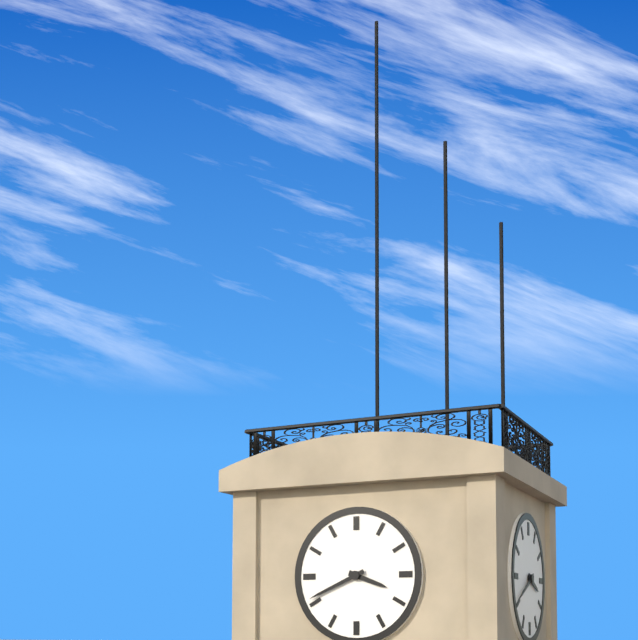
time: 3:41
